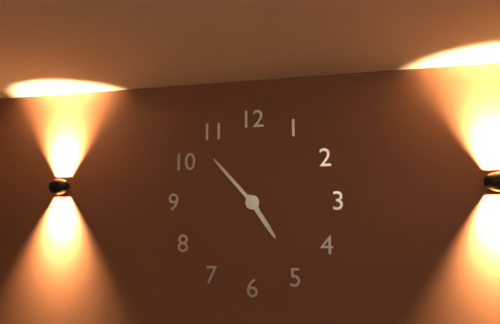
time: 4:53
